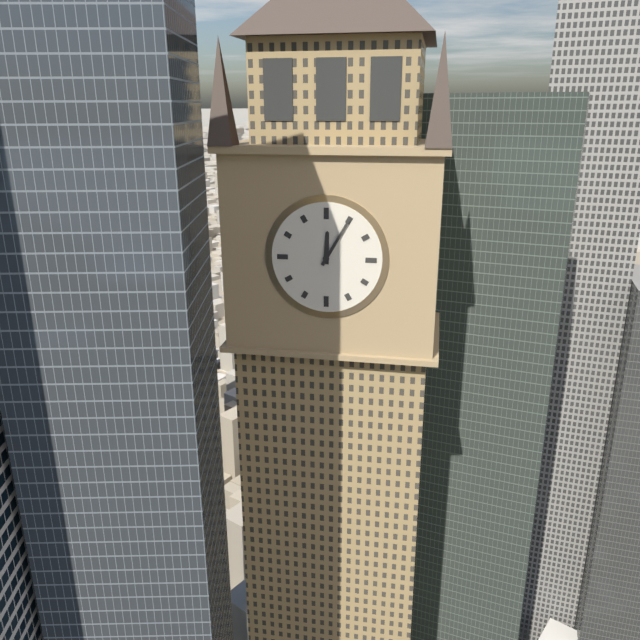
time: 12:05
